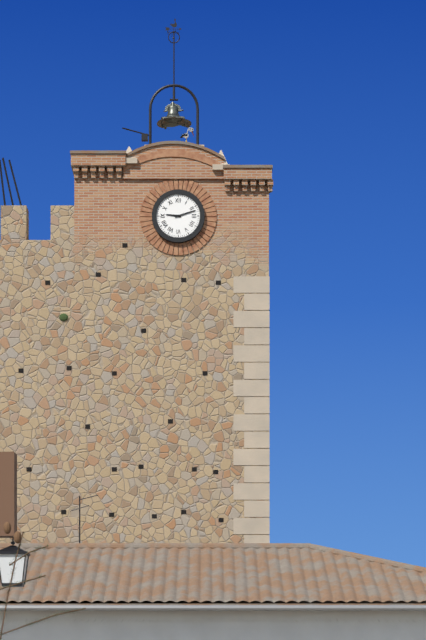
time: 9:12
